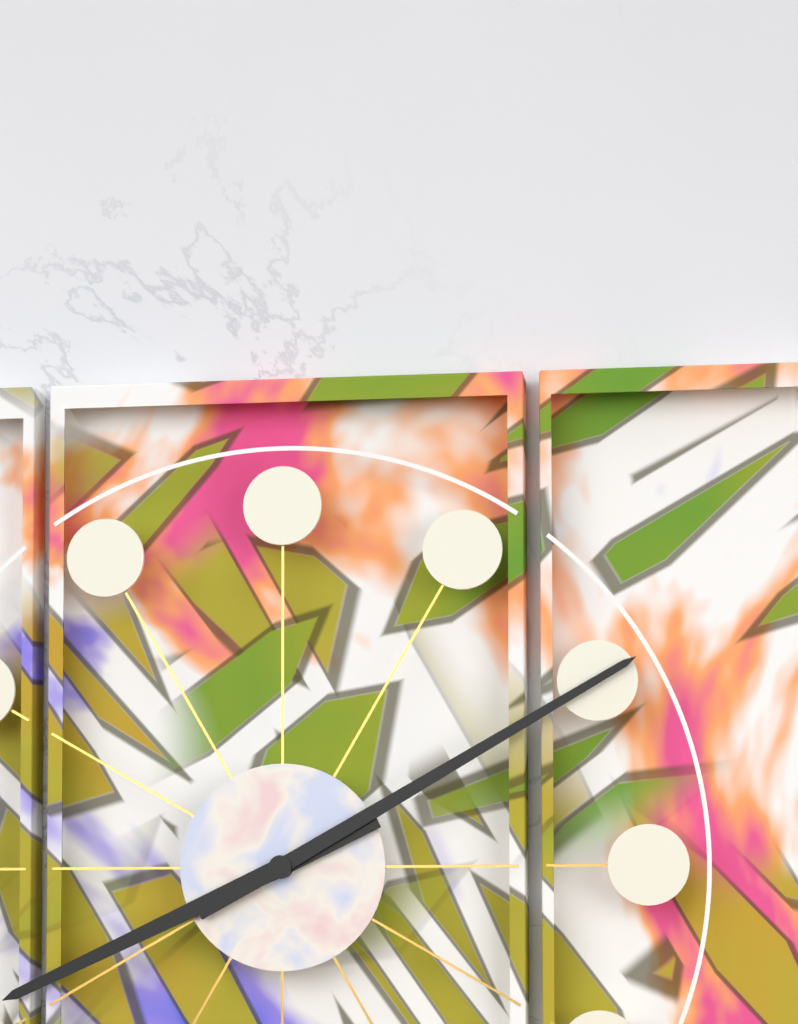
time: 8:10
